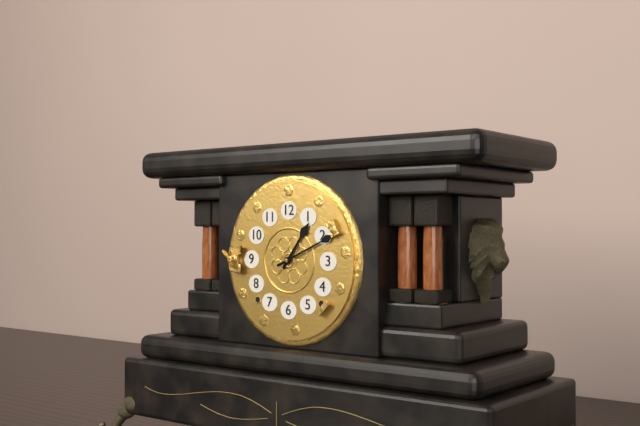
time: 1:11
